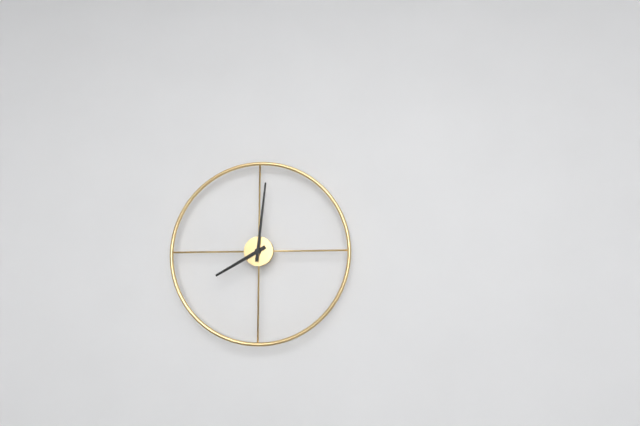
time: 8:01
